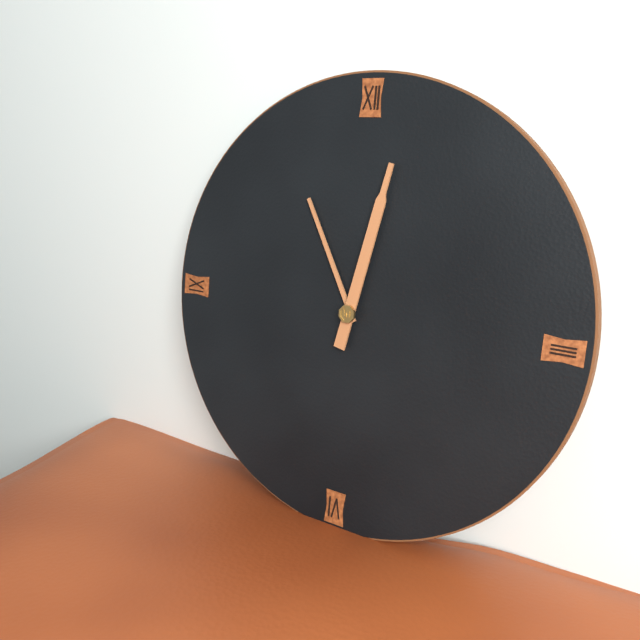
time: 11:02
